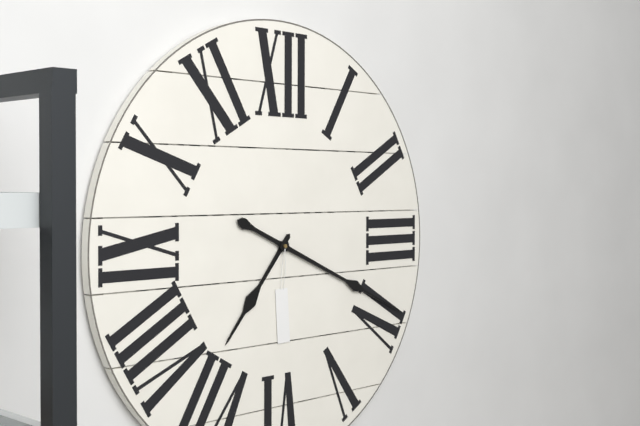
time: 7:19
